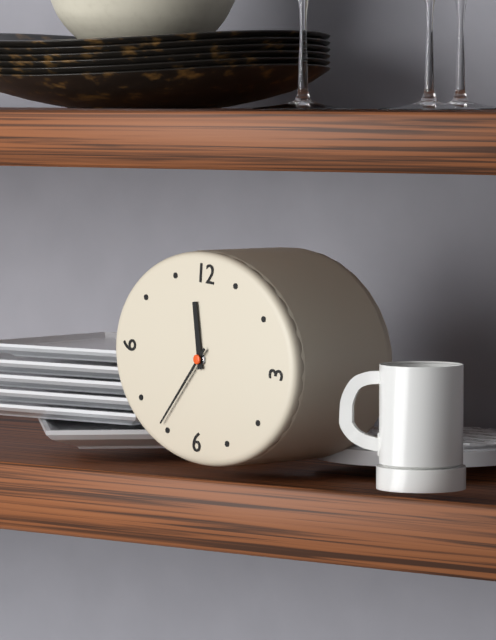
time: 11:36
